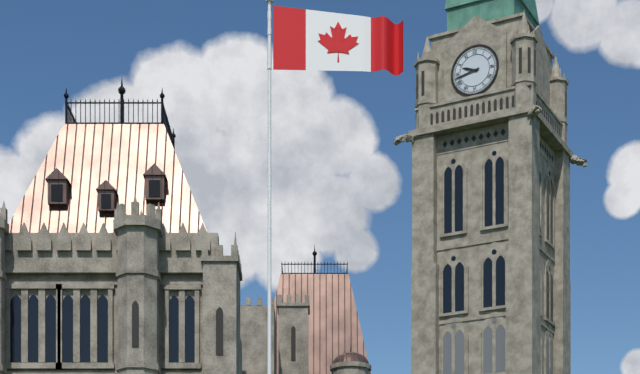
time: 9:43
